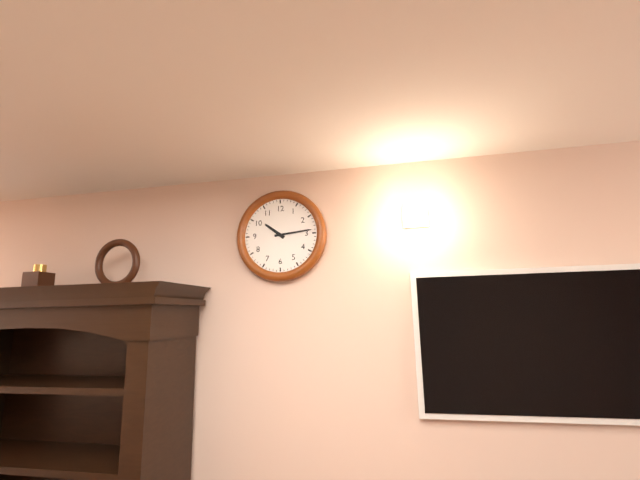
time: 10:14
